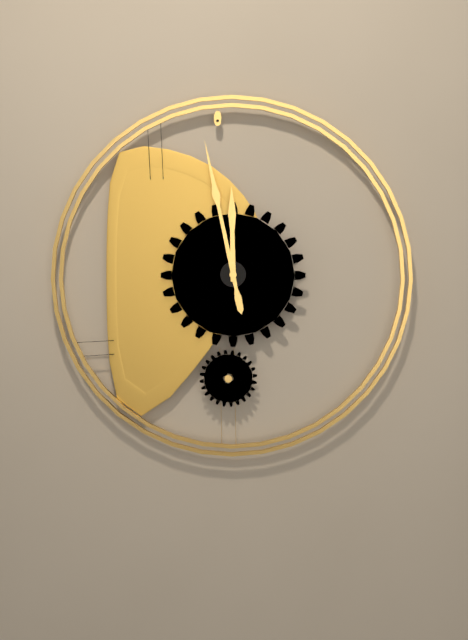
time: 11:58
